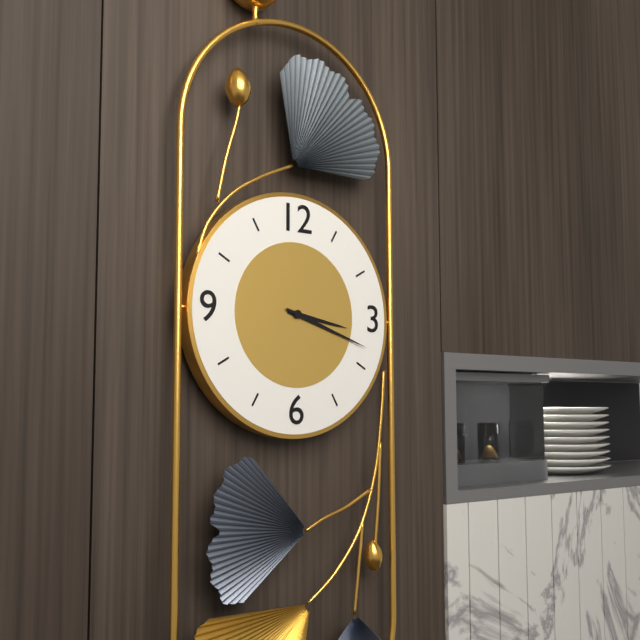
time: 3:18
